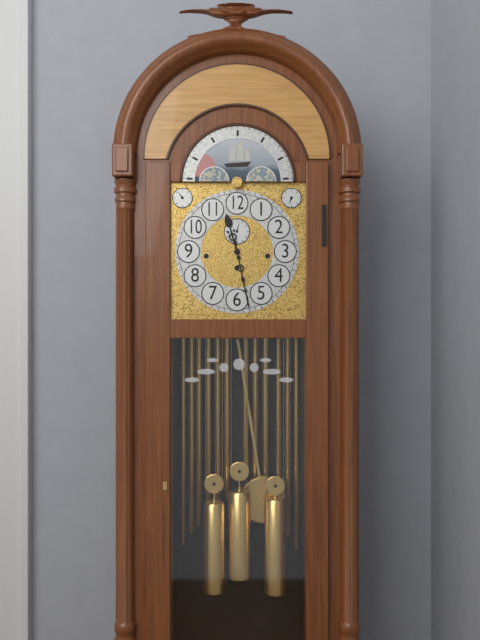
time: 11:28
